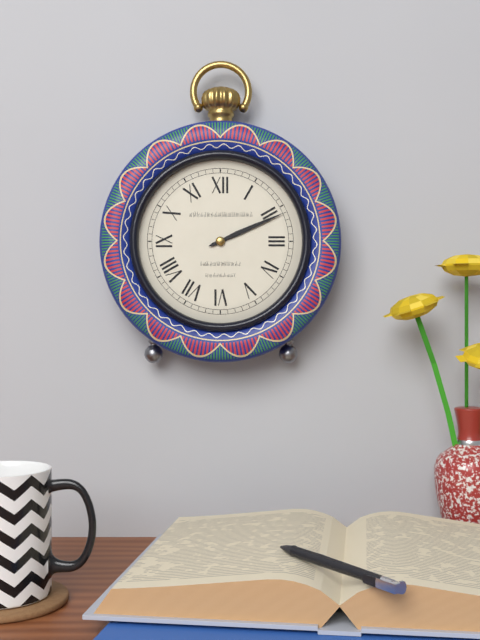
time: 2:11
